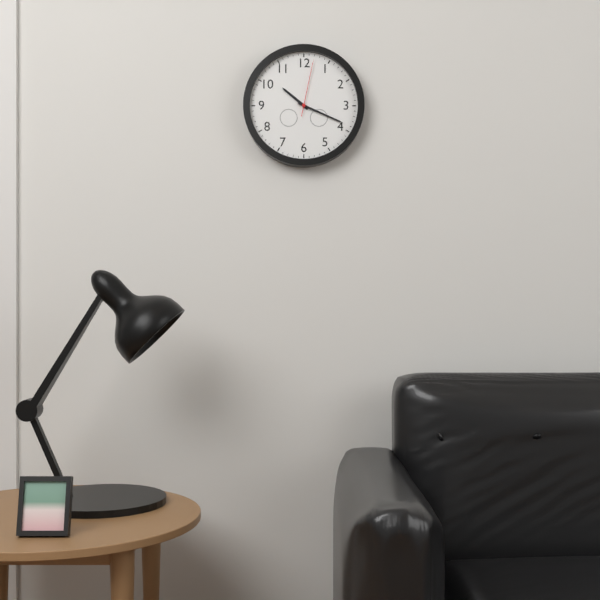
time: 10:19:02
